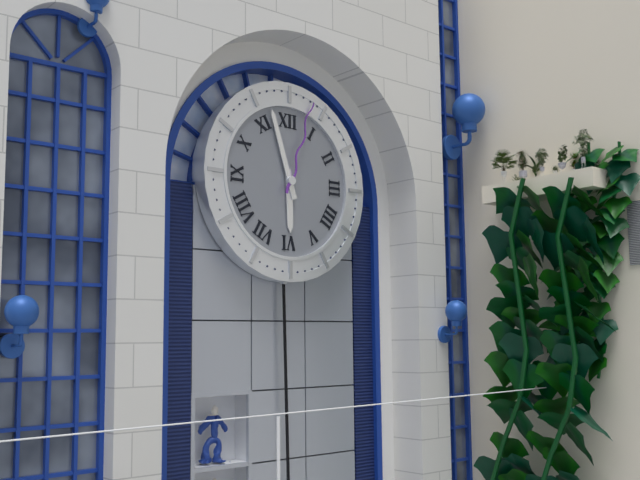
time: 5:57:03
